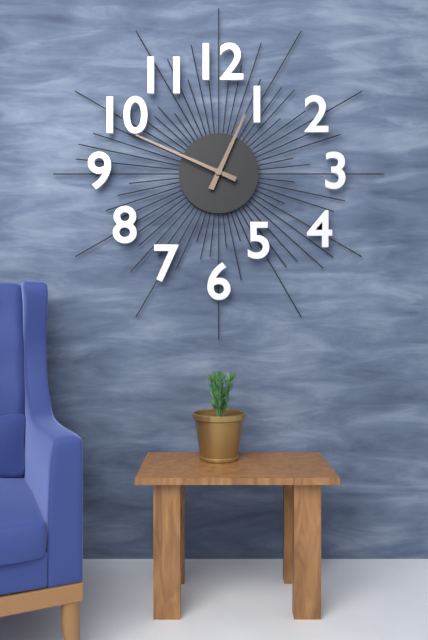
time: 12:49
